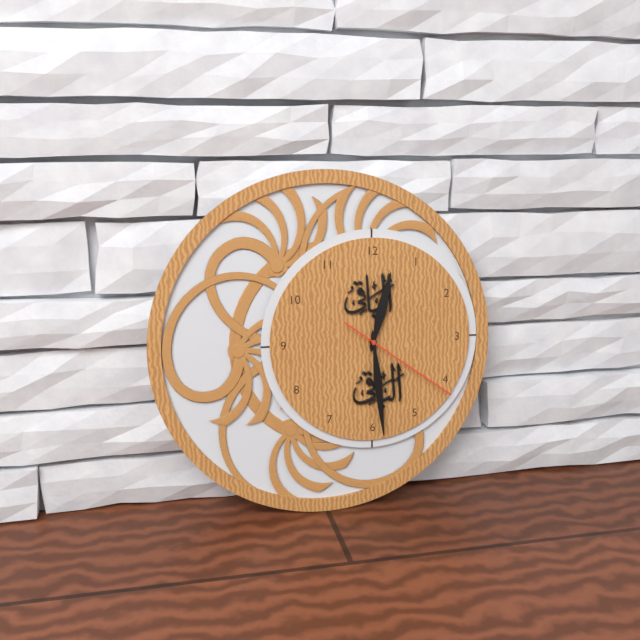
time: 12:29:21
